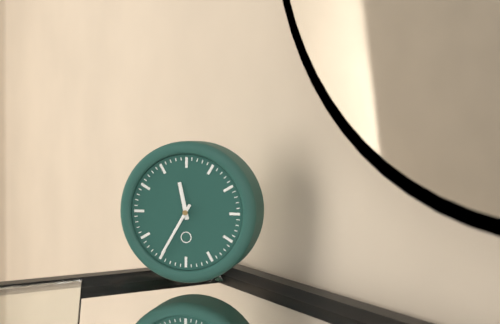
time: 11:35
